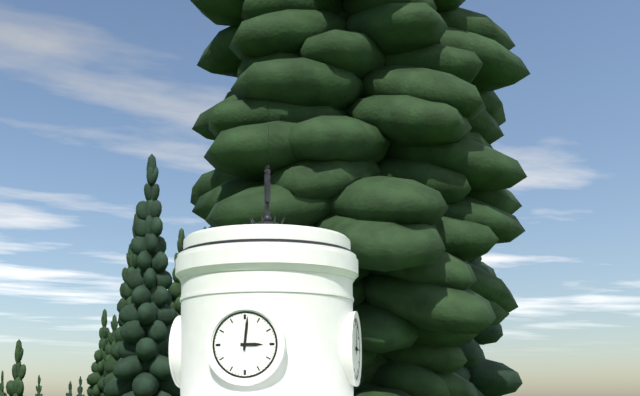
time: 3:01
